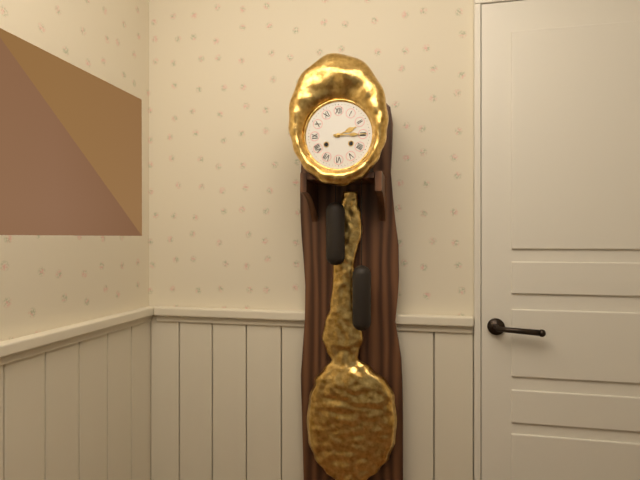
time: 2:15
